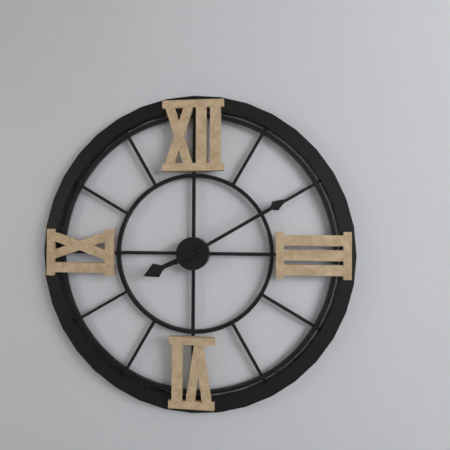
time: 8:10
